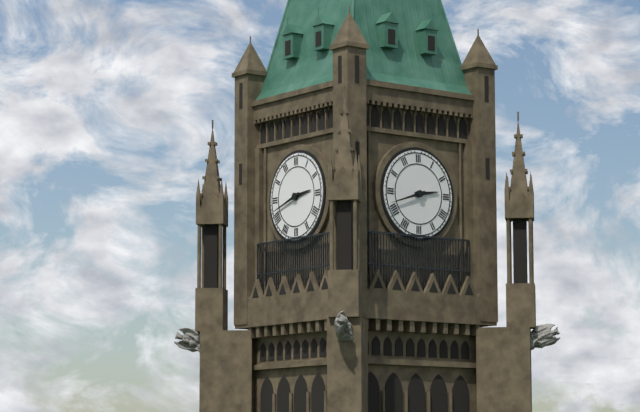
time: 2:42
